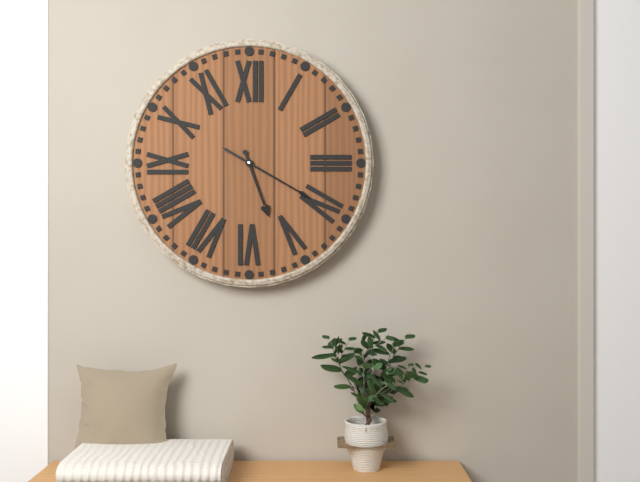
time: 5:20
